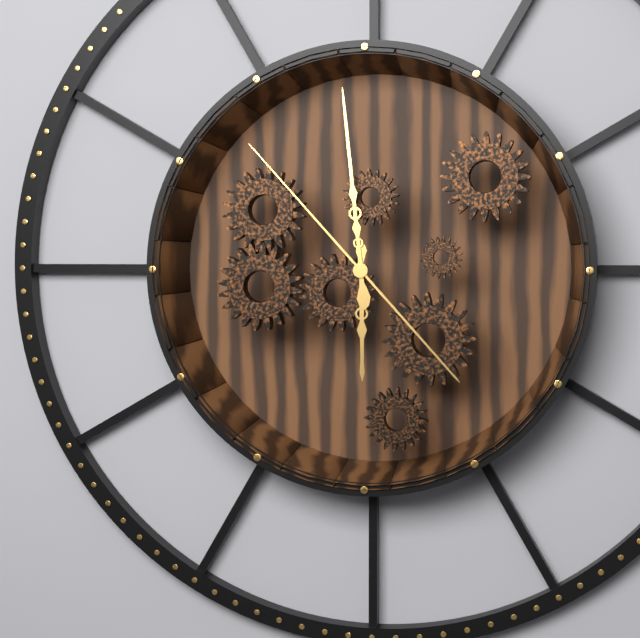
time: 5:59:53
